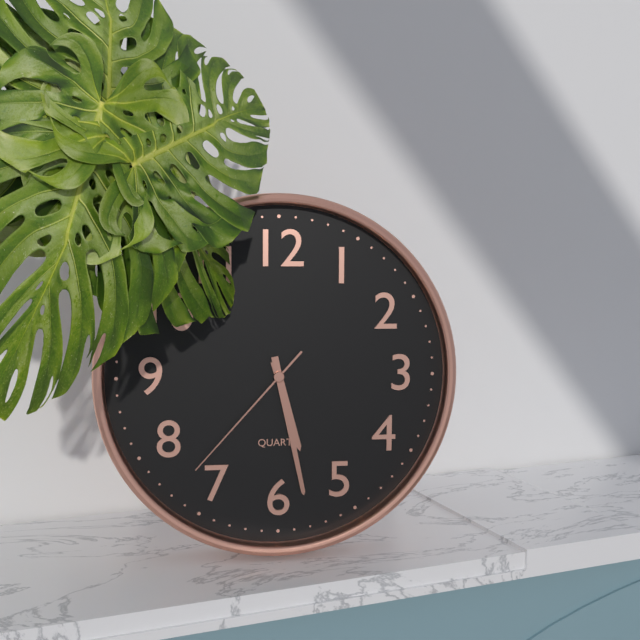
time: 5:28:37
